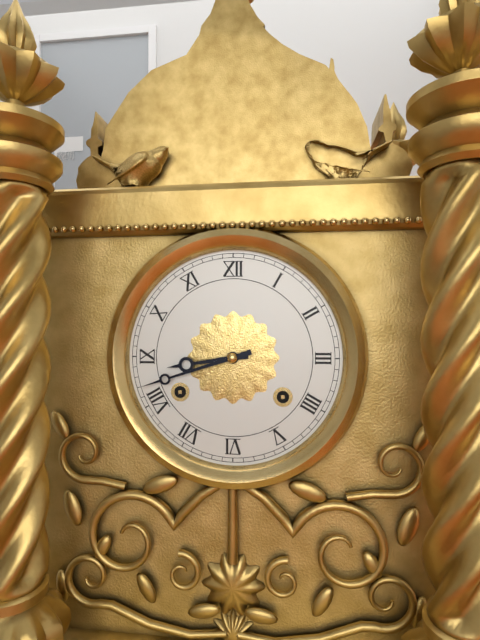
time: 8:42
